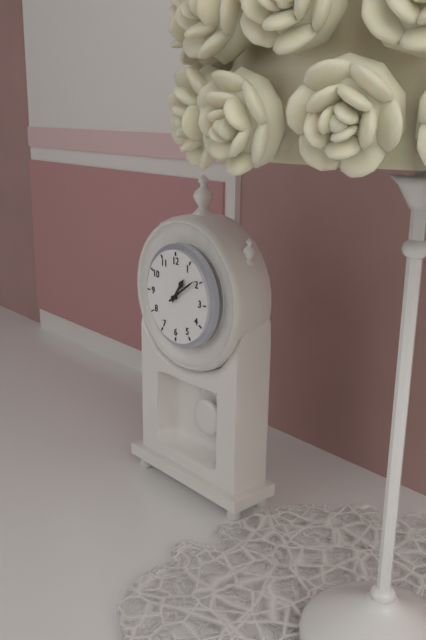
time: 1:09
